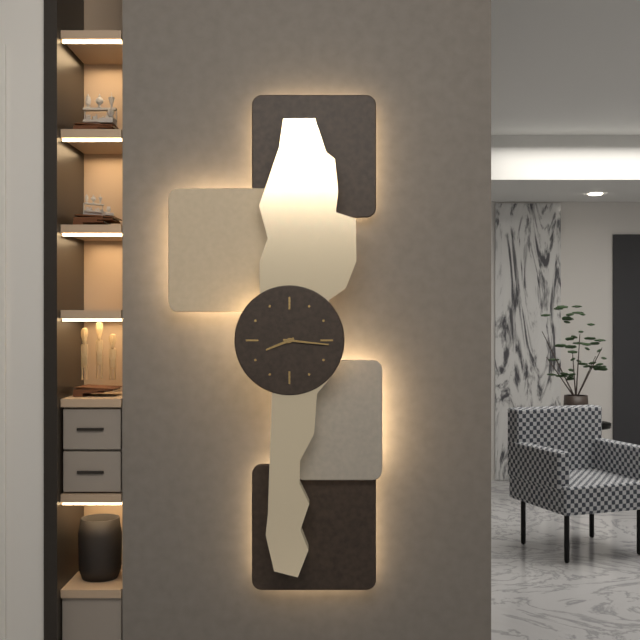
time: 8:16
